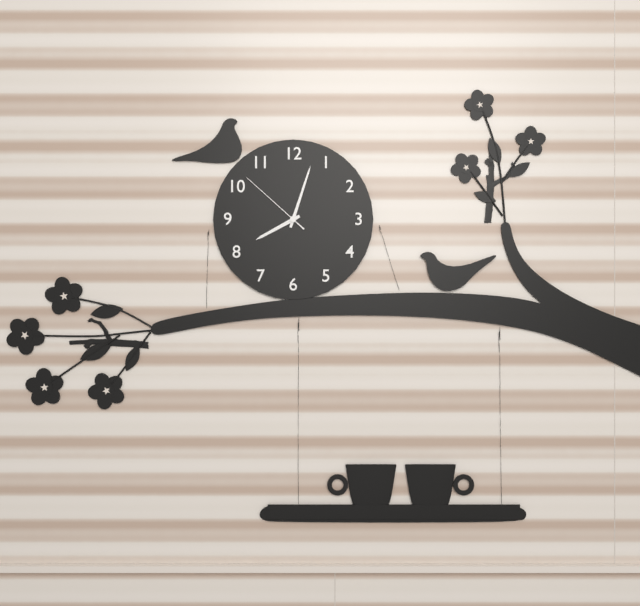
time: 8:03:52
